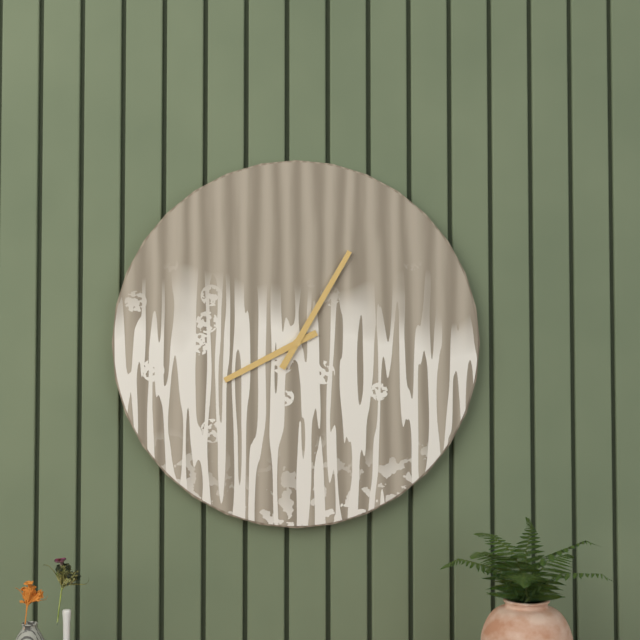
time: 8:05
